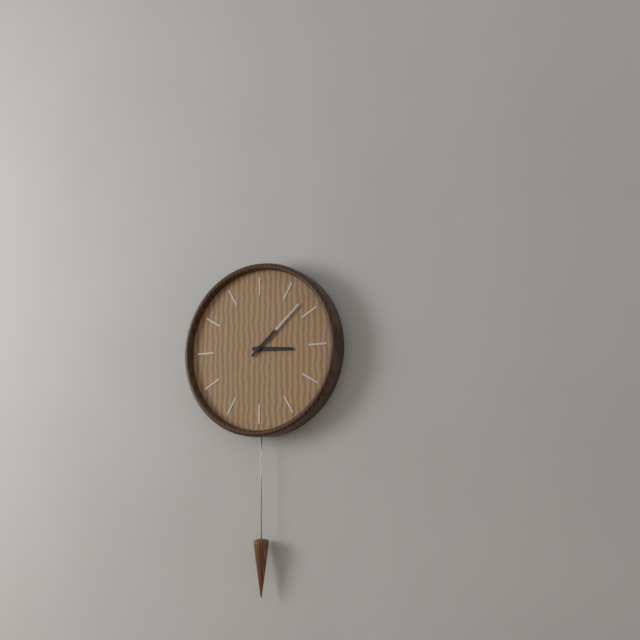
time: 3:08
